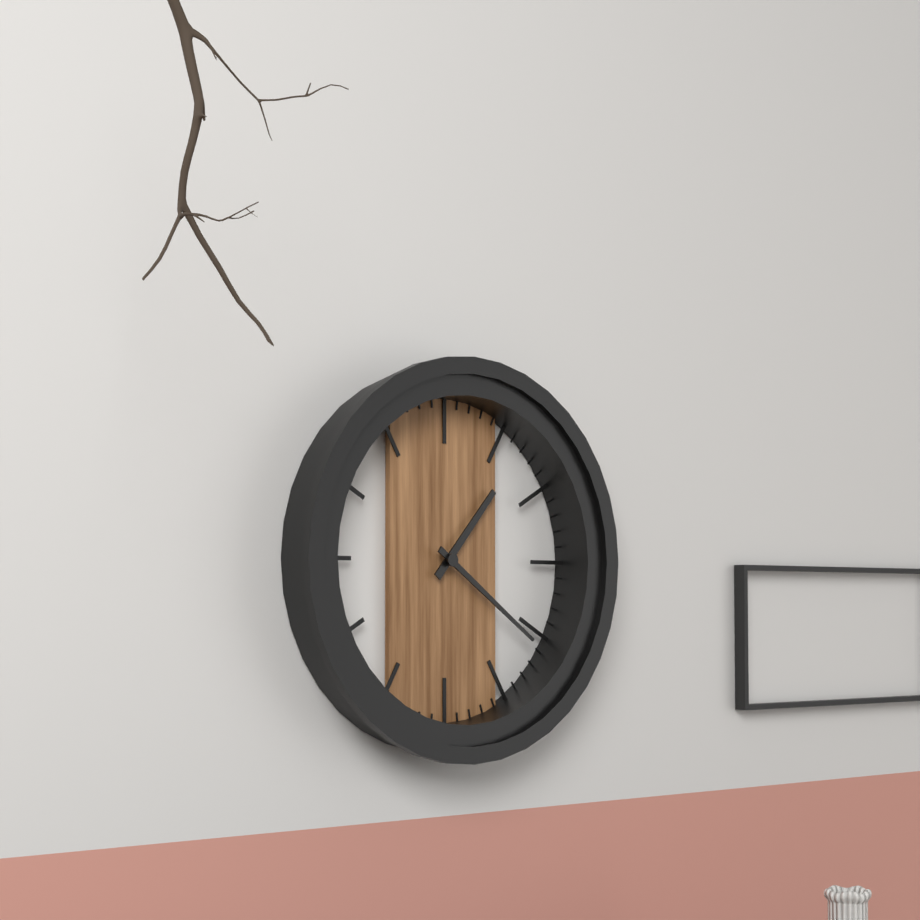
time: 1:21
